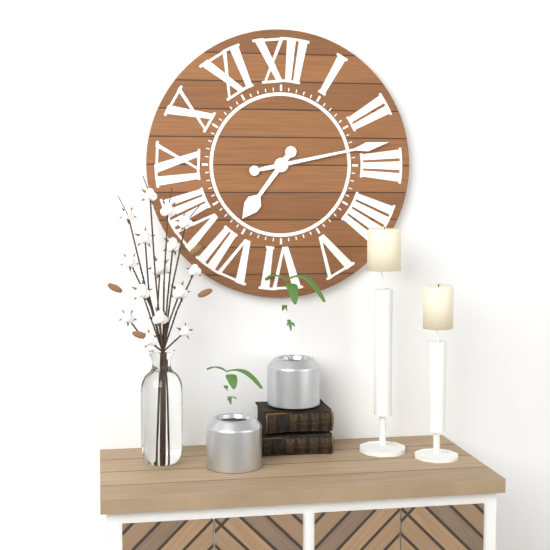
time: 7:13
